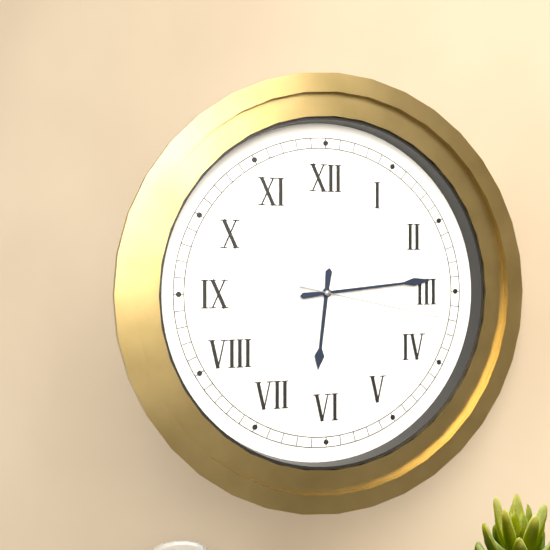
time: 6:14:17
